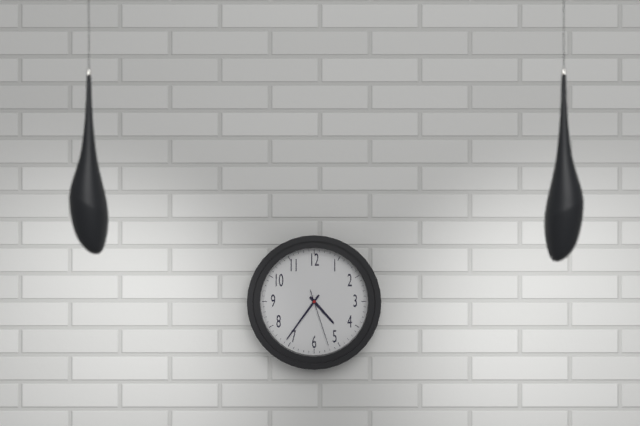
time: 4:36:27
